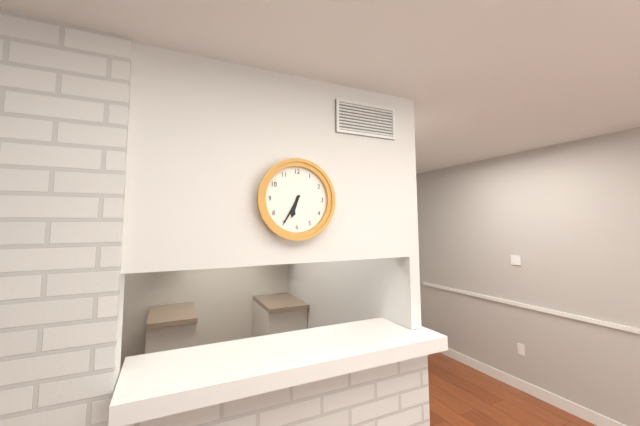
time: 6:35
